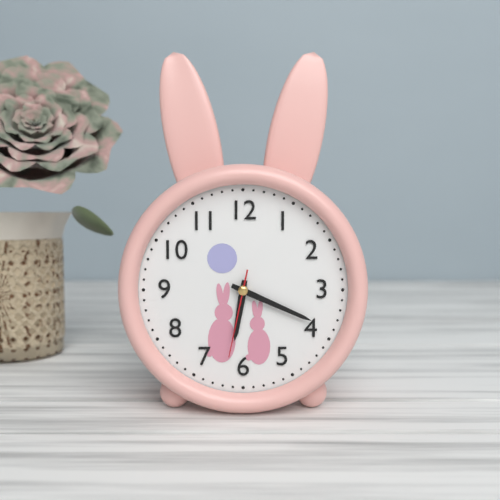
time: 6:19:32
